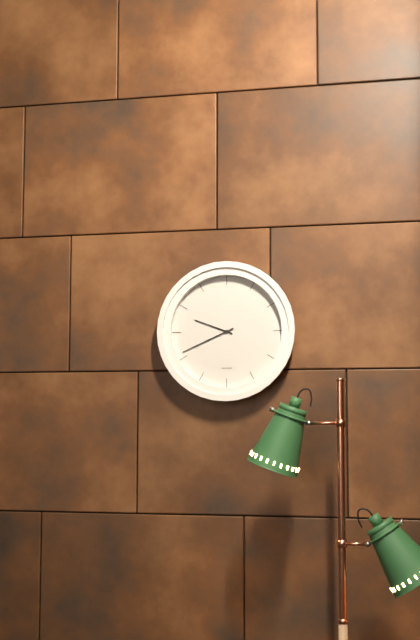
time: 9:41
